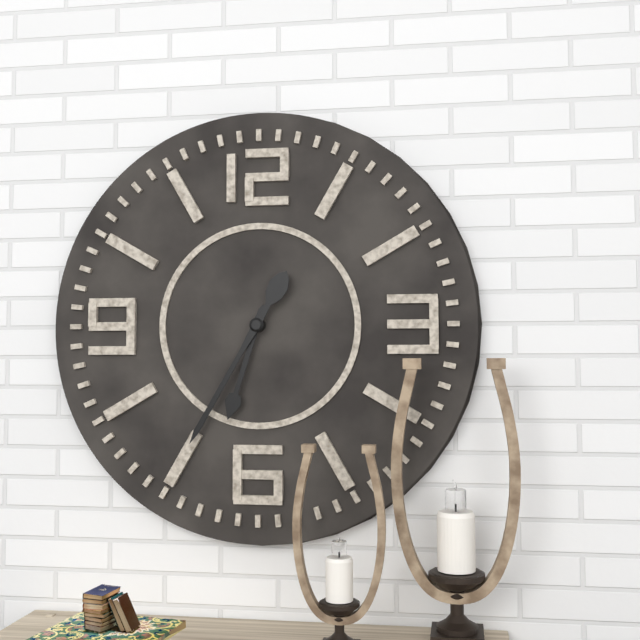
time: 6:35
